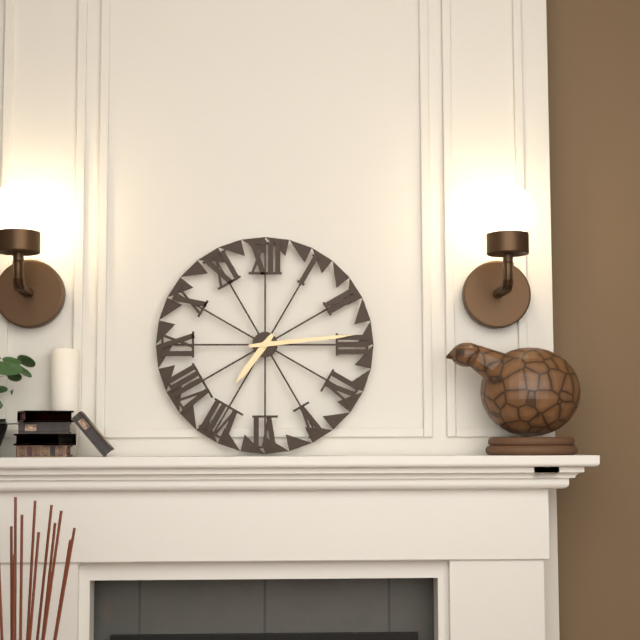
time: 7:14
